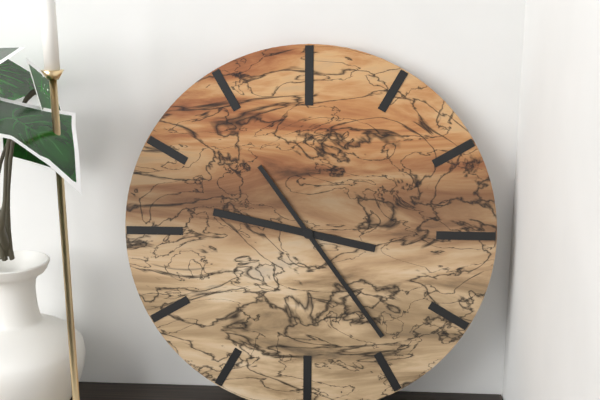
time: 9:24
